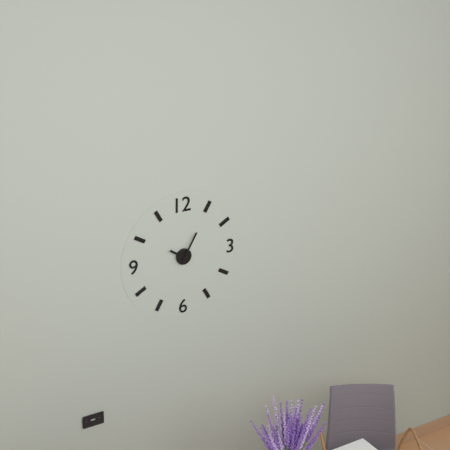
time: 10:05
